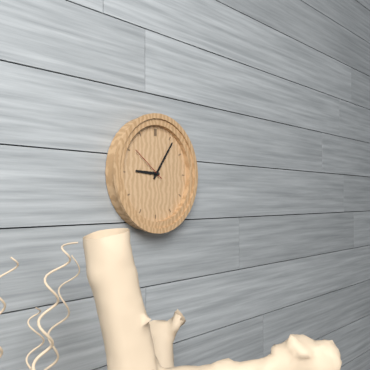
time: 9:06
